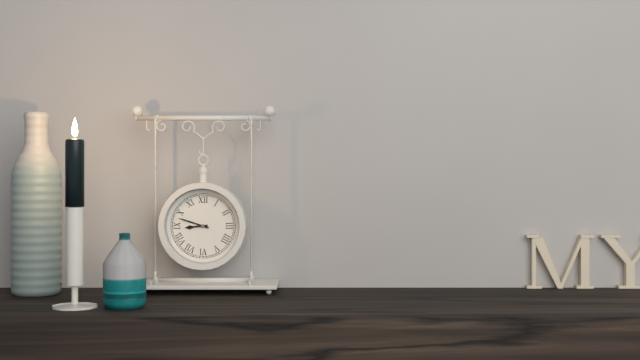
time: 8:48
